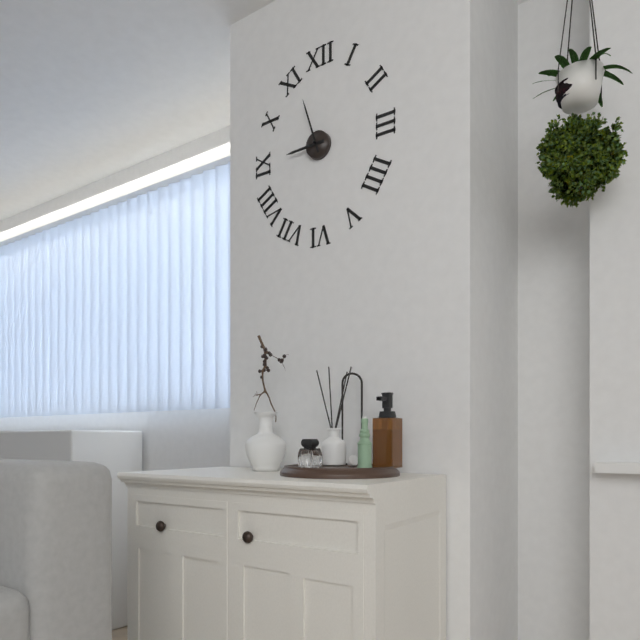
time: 8:57
